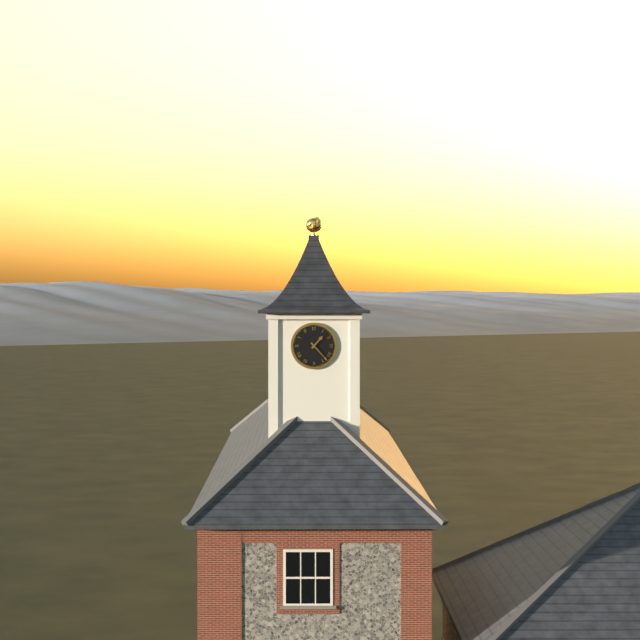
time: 1:23
